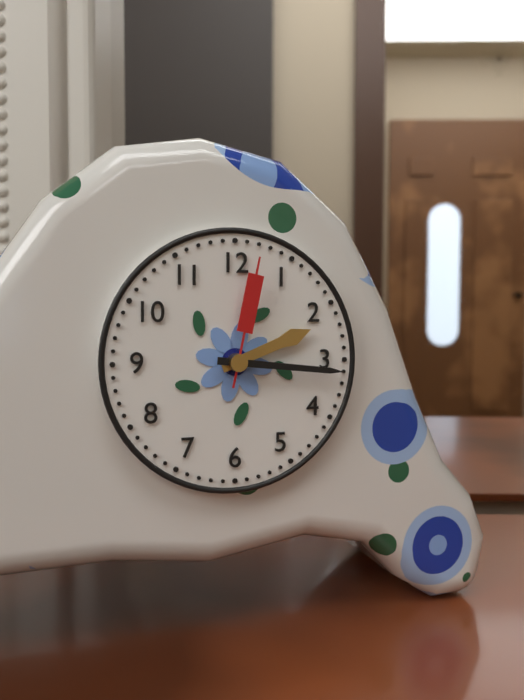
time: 2:16:02
